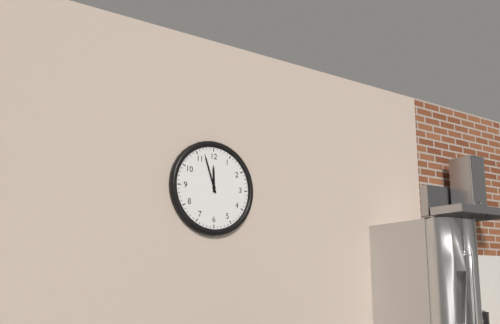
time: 11:57
